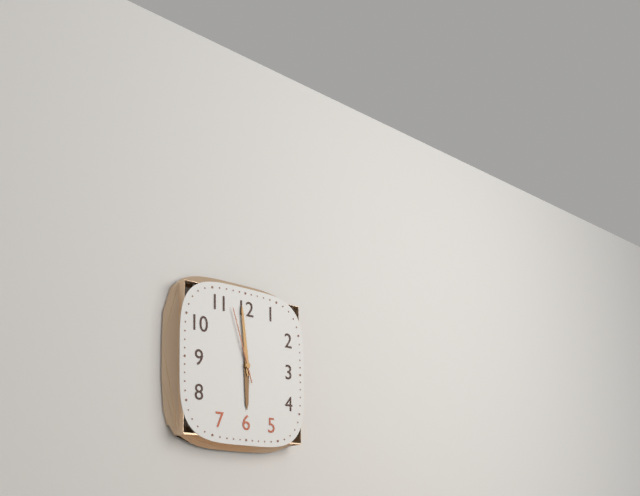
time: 5:59:57
